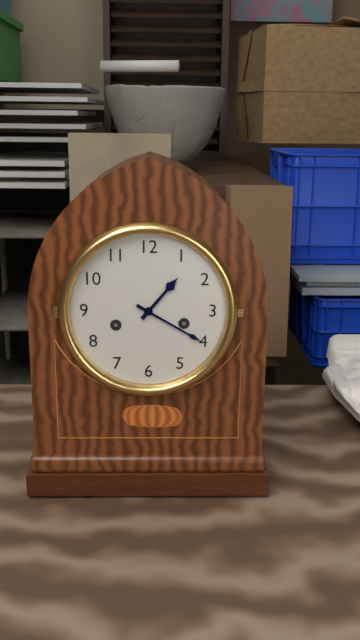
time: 1:20
